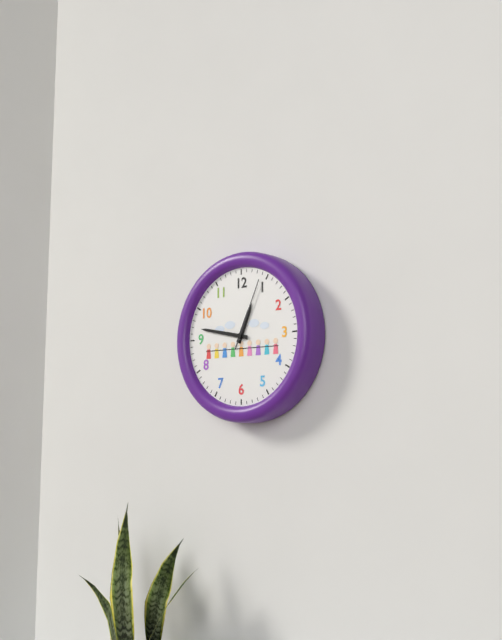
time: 12:47:04
